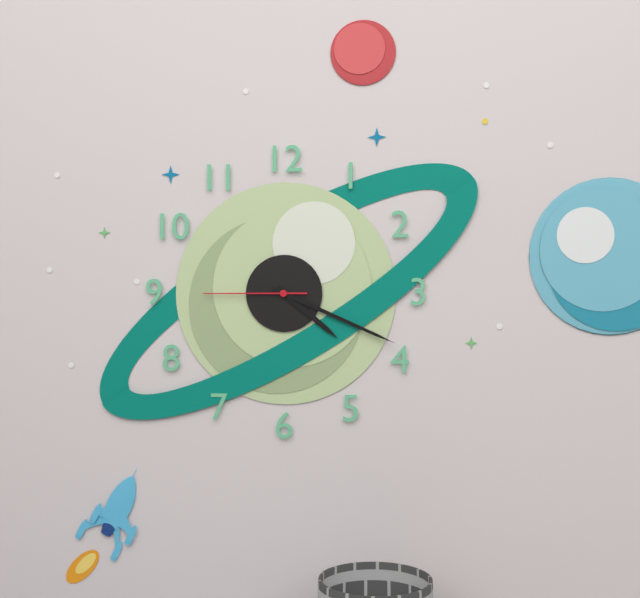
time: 4:19:45
